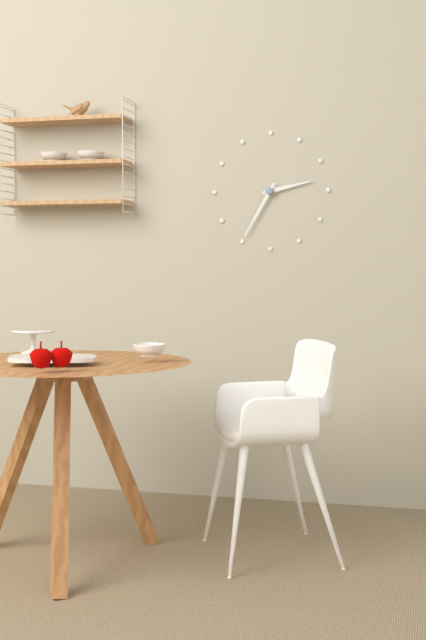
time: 2:35
